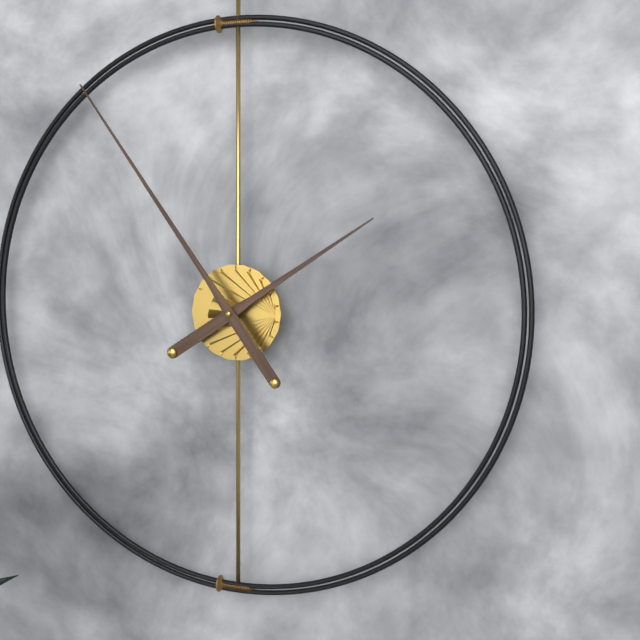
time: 1:54
